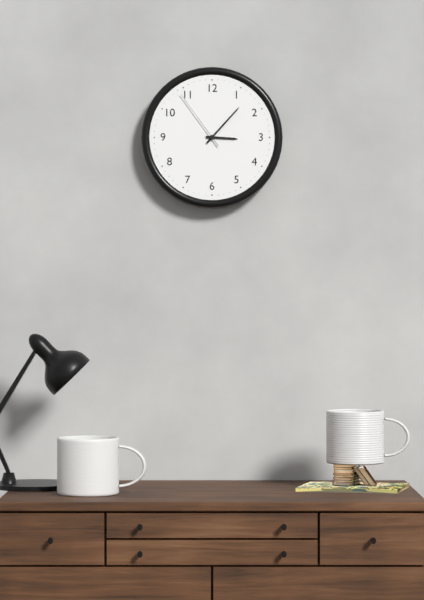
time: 3:07:54
